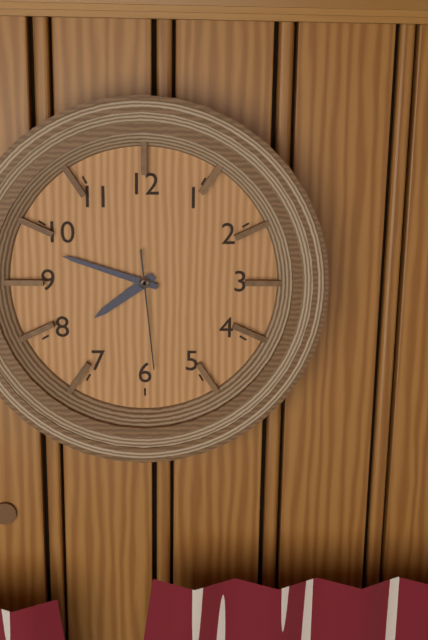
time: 7:48:29
